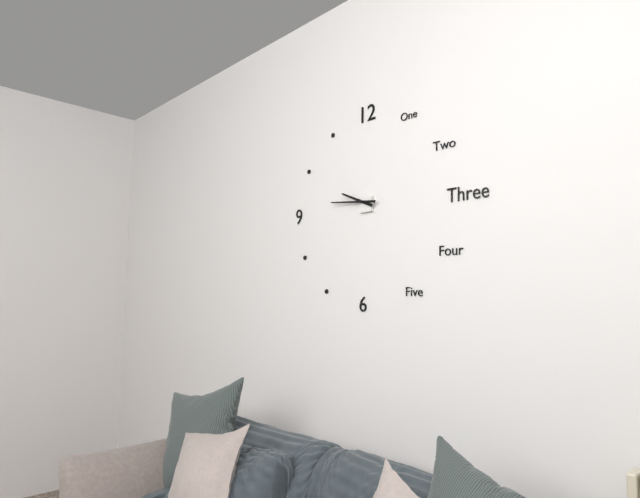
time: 9:46
